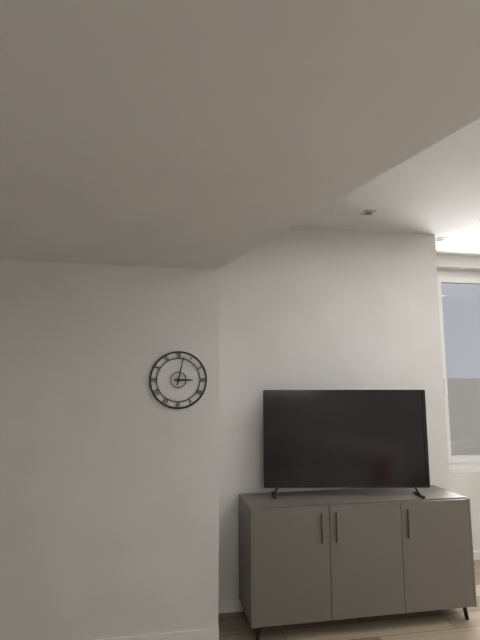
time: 3:02
